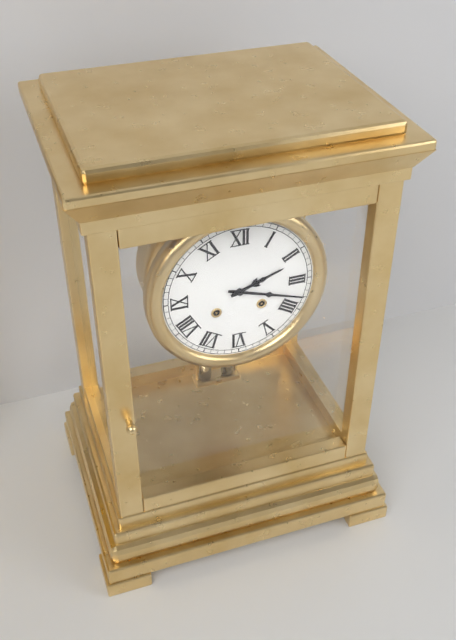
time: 2:18
